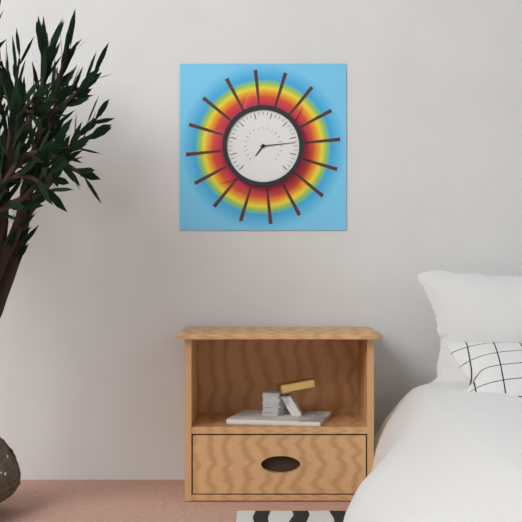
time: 7:14
